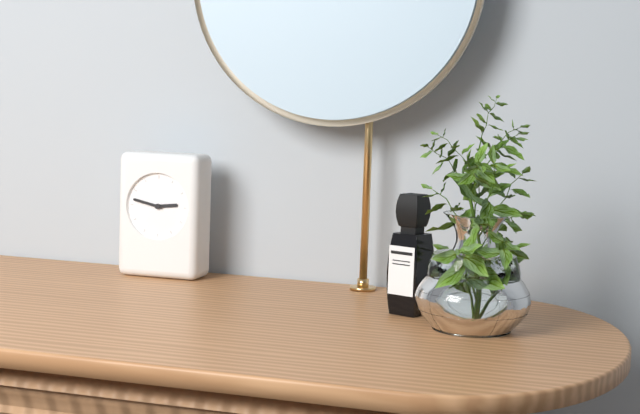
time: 2:47
